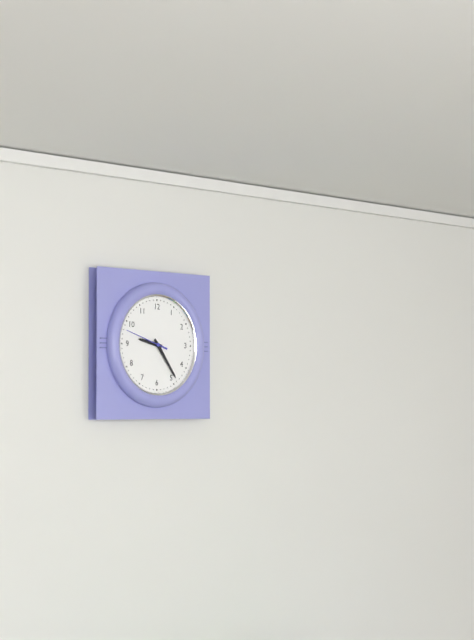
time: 9:24
